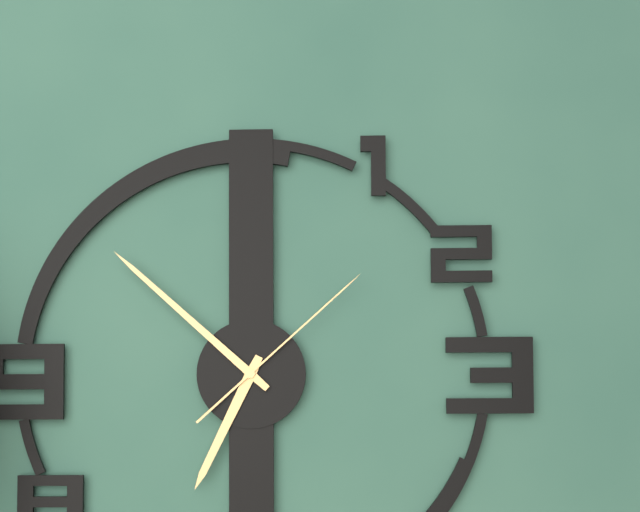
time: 6:52:08
